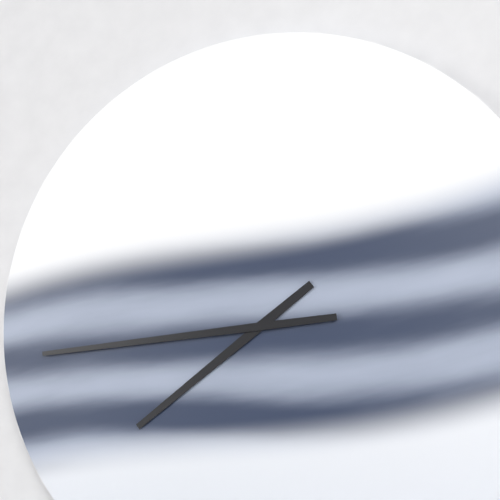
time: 7:44
